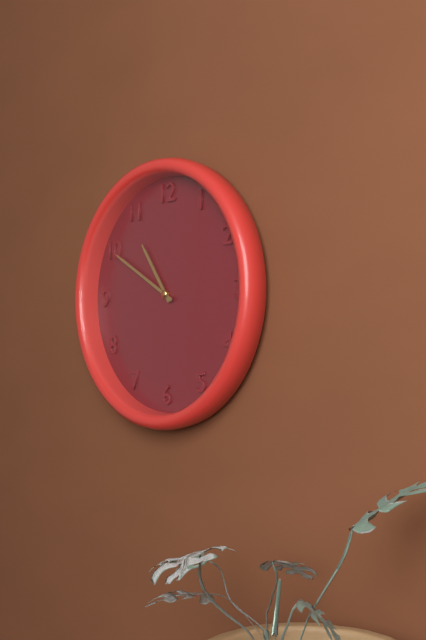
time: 10:50
